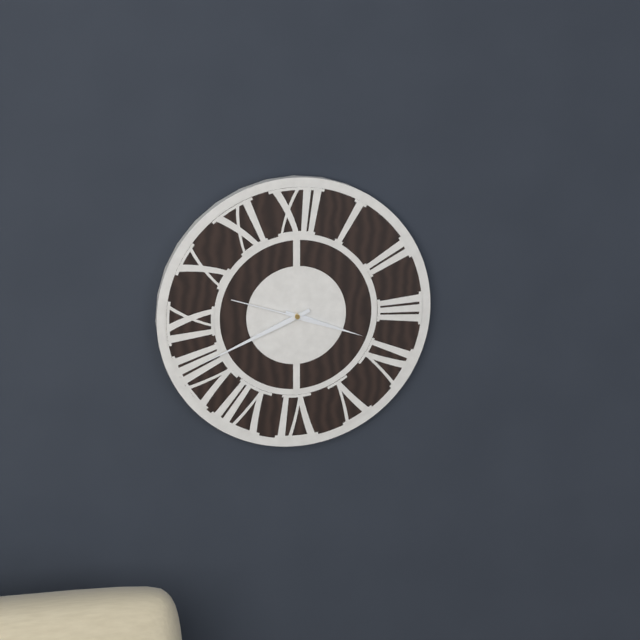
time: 3:41:48
